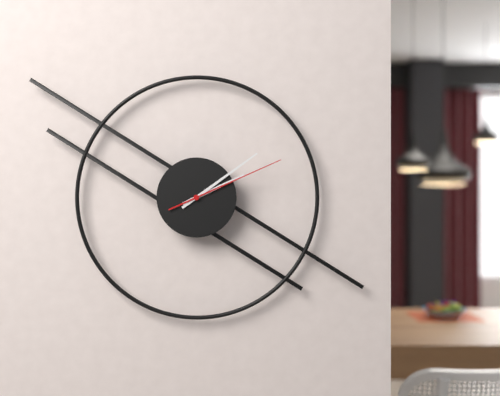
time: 2:09:11
